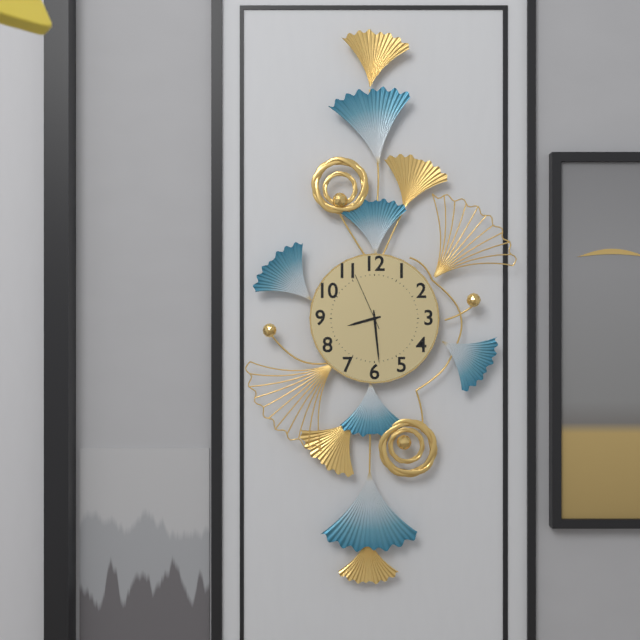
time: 8:29:56
